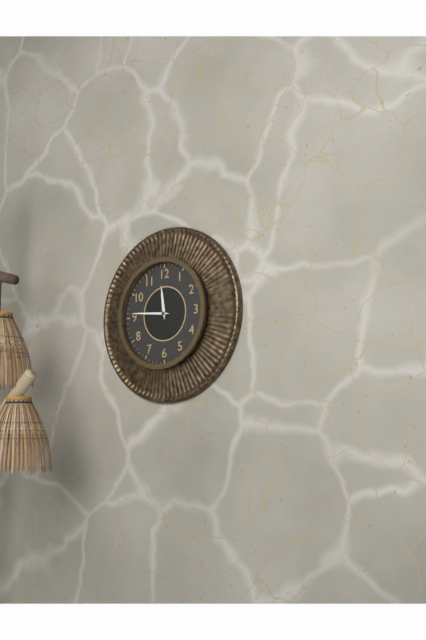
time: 11:46
